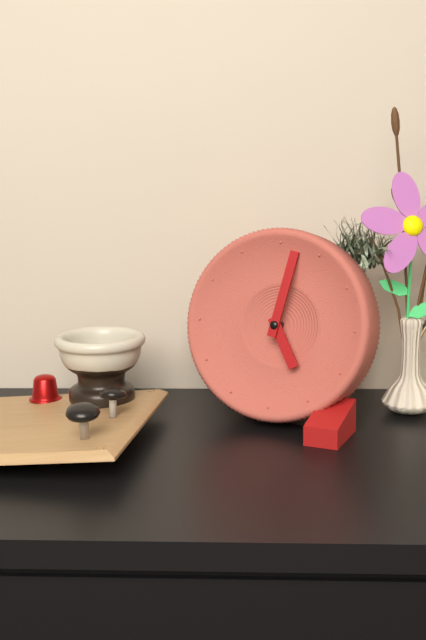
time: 5:02
